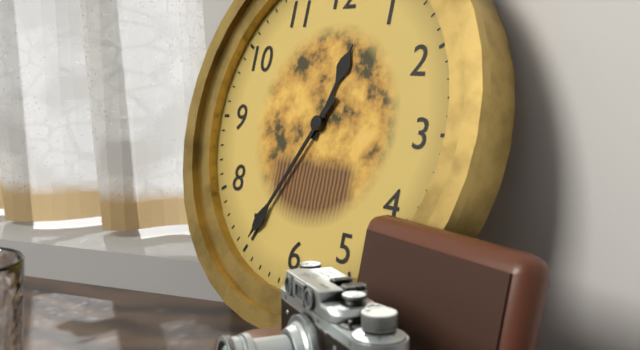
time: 12:35
